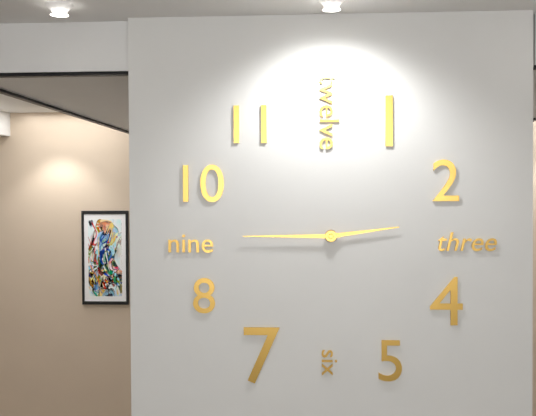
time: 2:45
